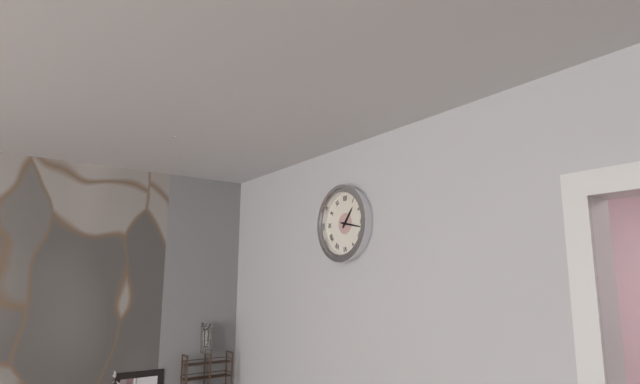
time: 1:17
